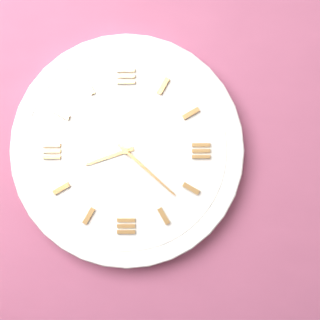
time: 8:22
